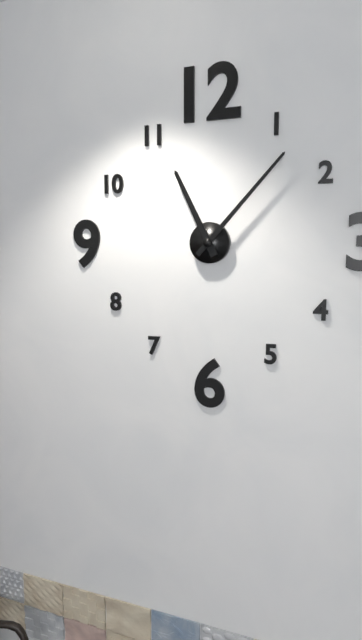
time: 11:07
